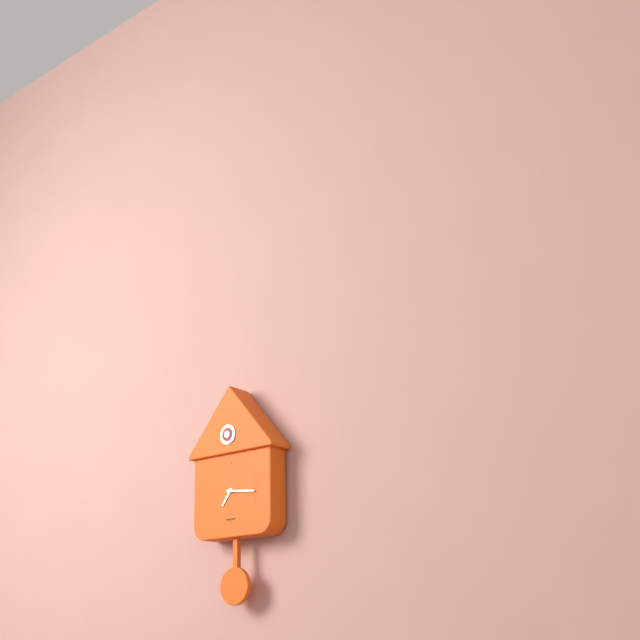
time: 7:16
